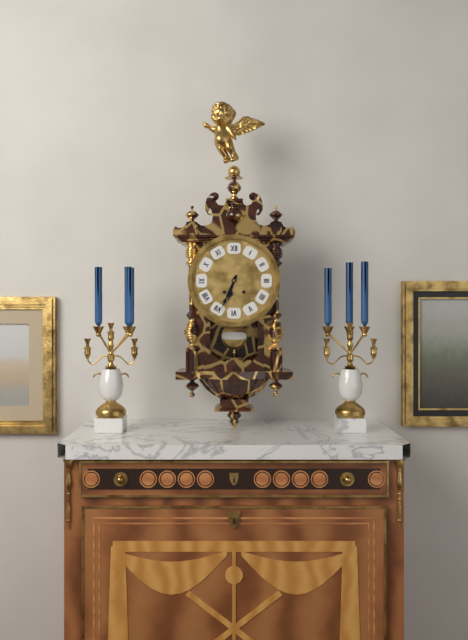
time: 6:34
